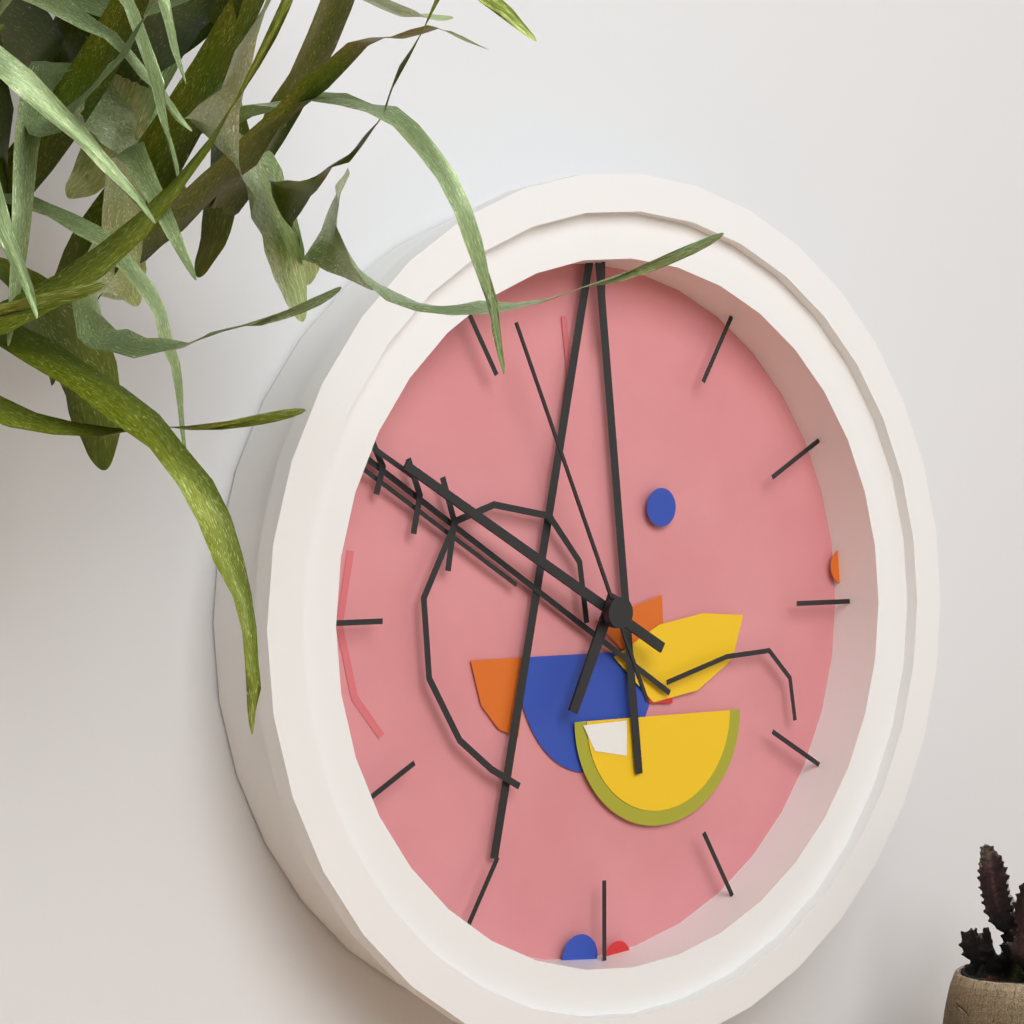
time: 6:50:56
